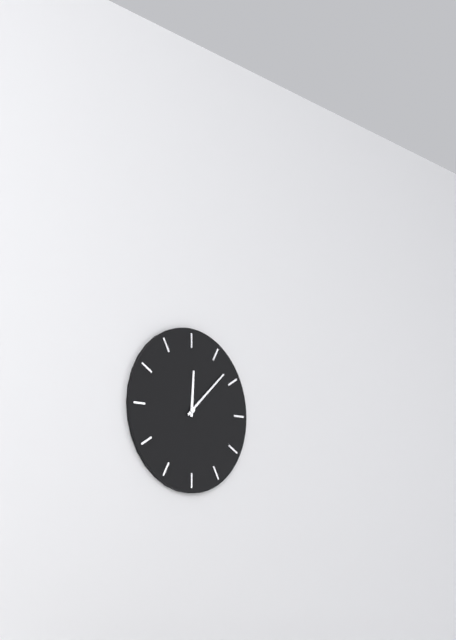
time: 12:08
